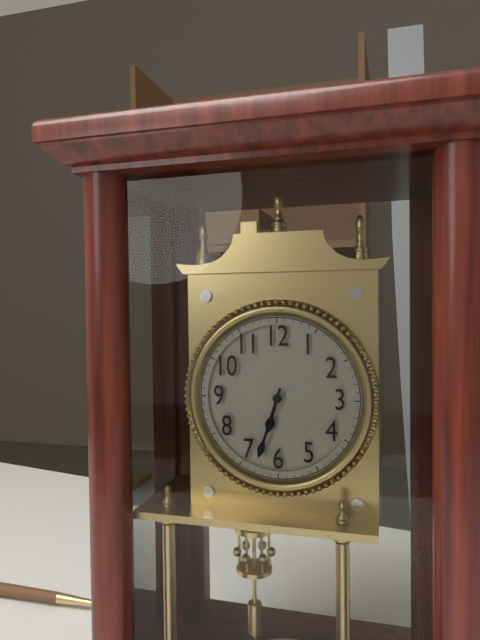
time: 6:33
